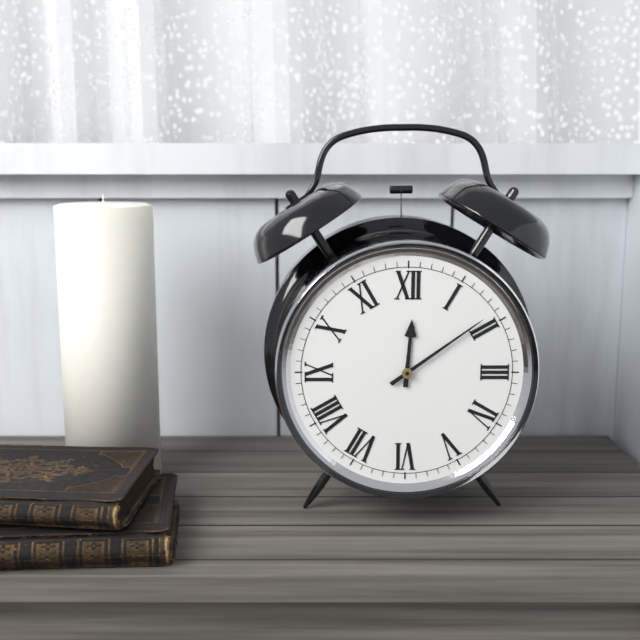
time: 12:09
